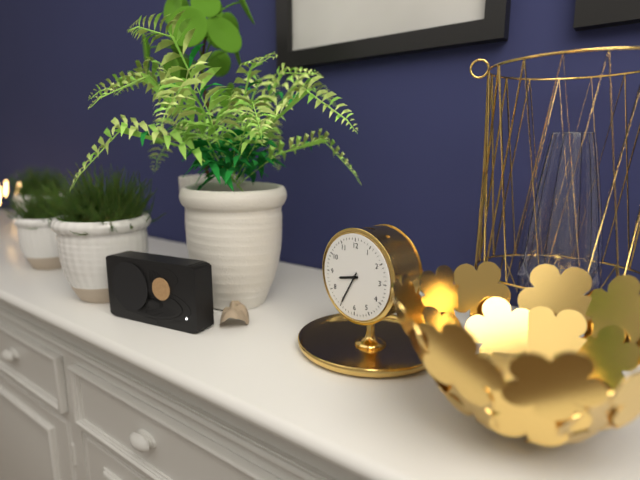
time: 8:35
